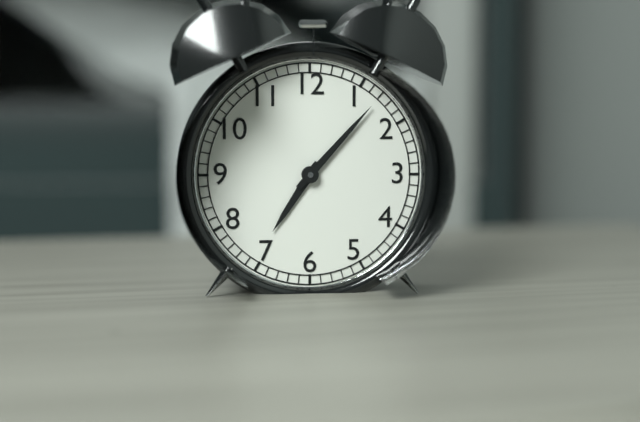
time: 7:07
